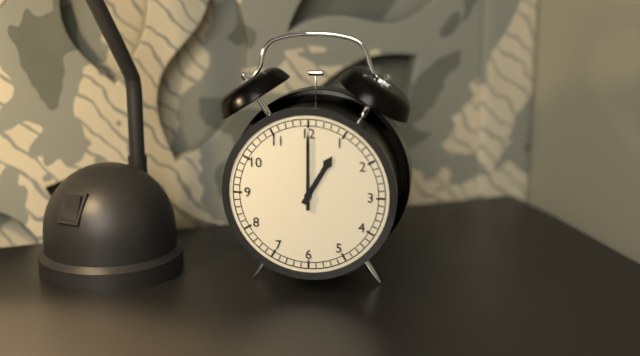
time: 1:00
